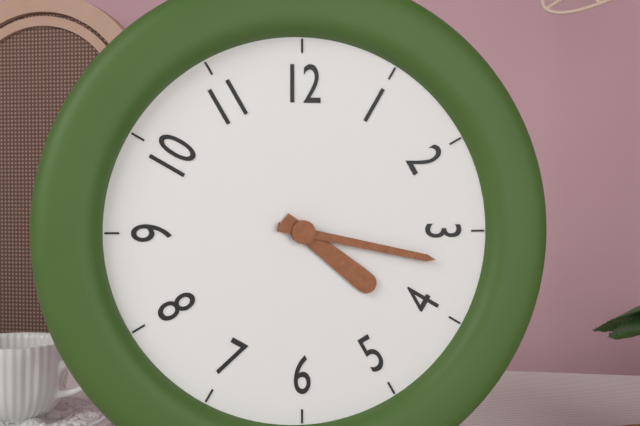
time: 4:17
